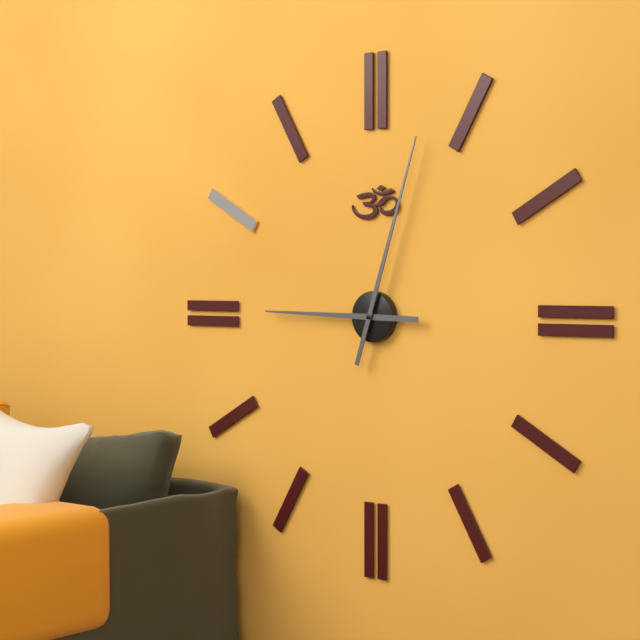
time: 9:03
